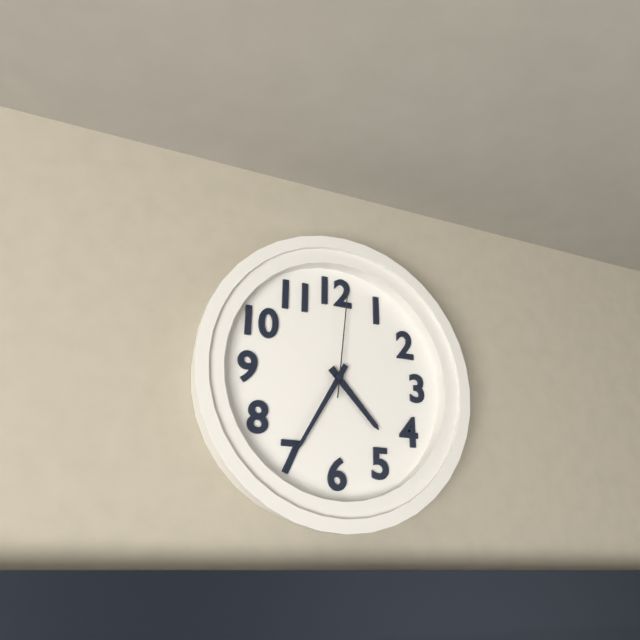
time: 4:35:01
